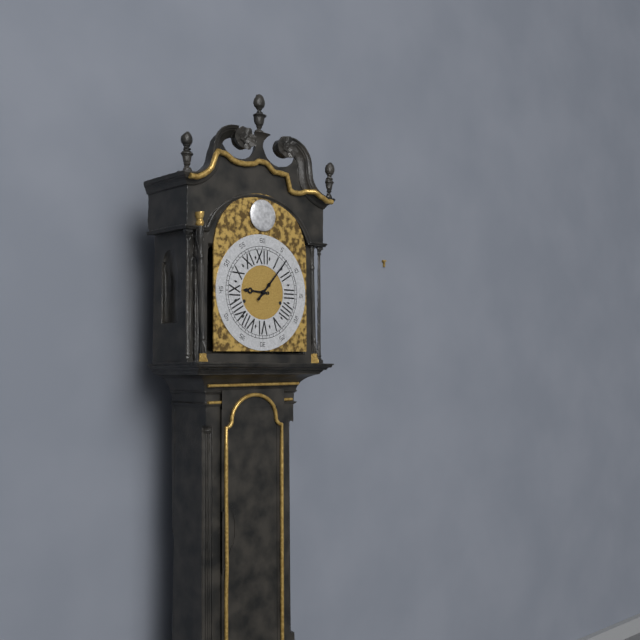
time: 9:07
